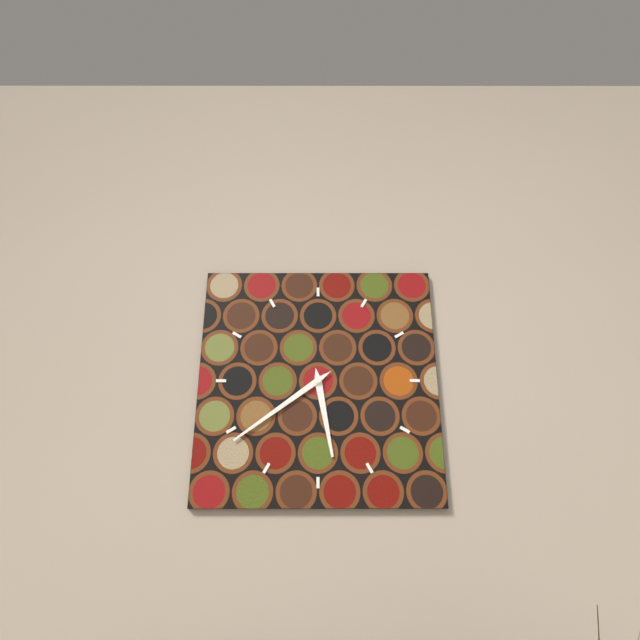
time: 5:39
